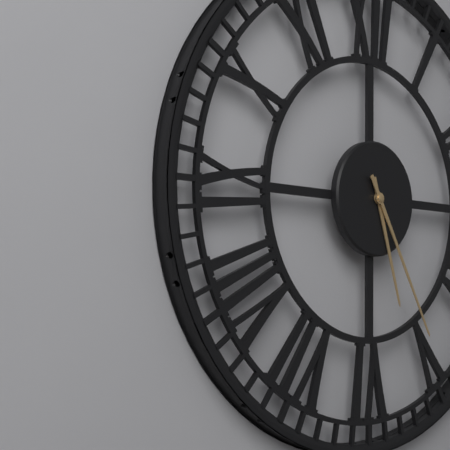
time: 5:25
